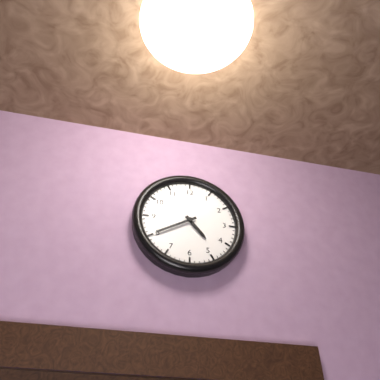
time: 4:40
